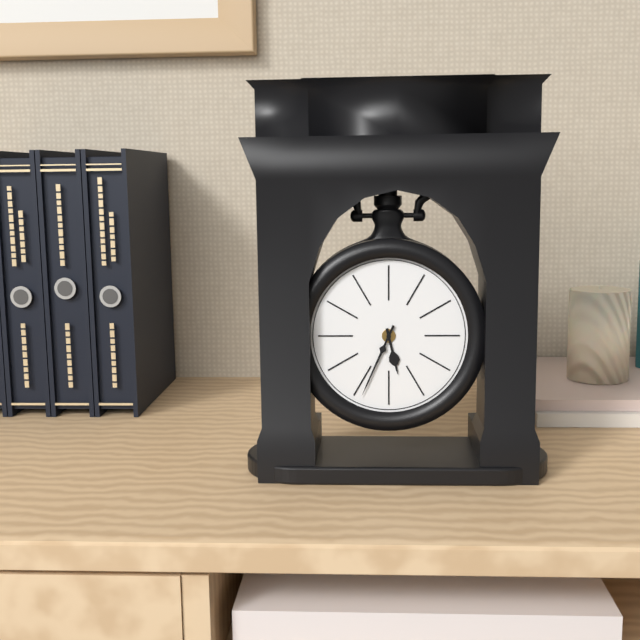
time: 5:34
